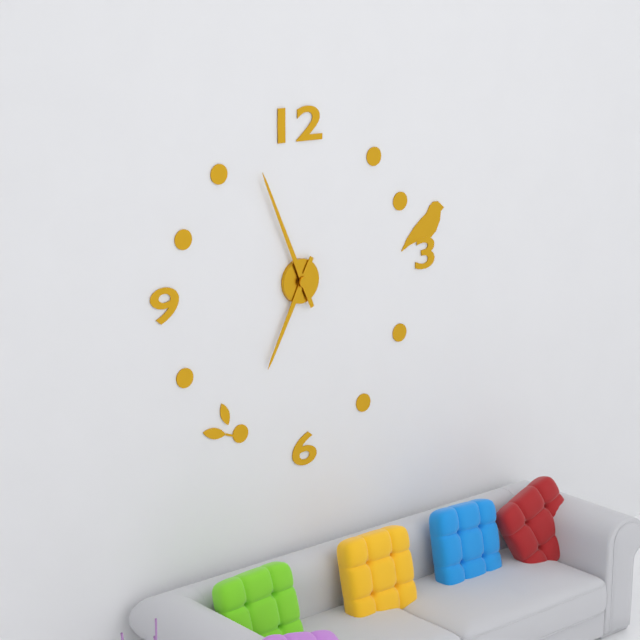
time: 6:56
